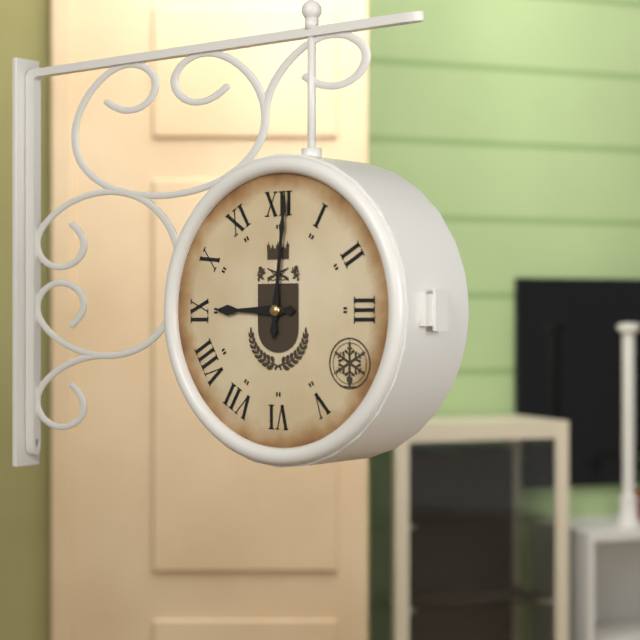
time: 9:01
